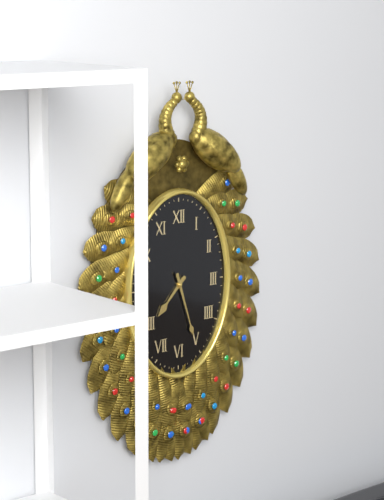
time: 7:27
